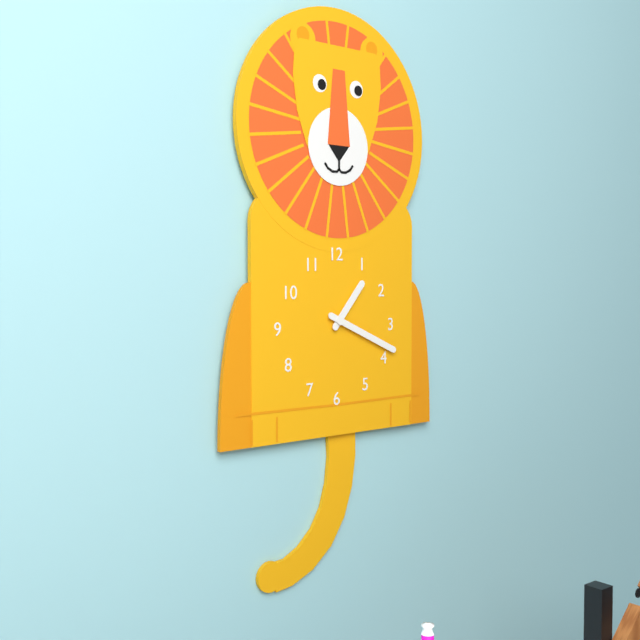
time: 1:19
